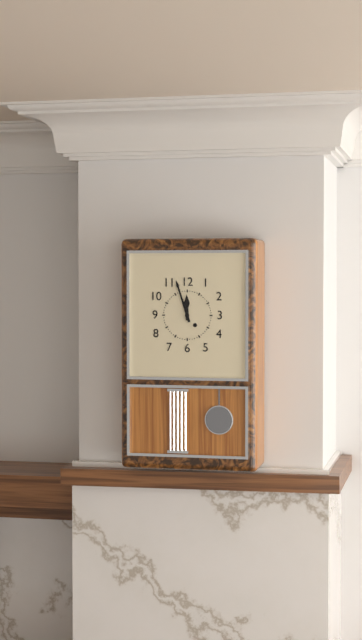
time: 11:57
